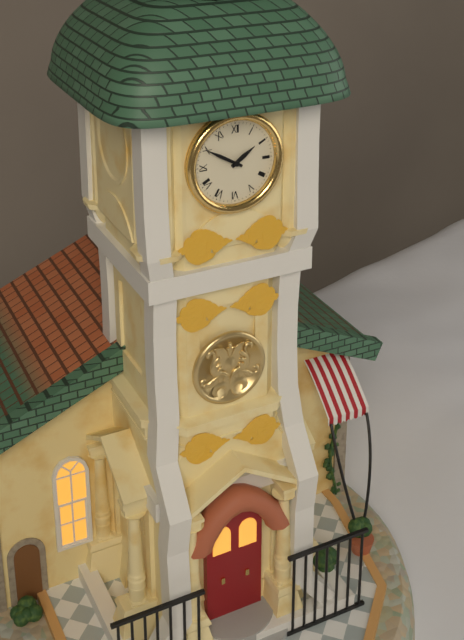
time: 1:50
